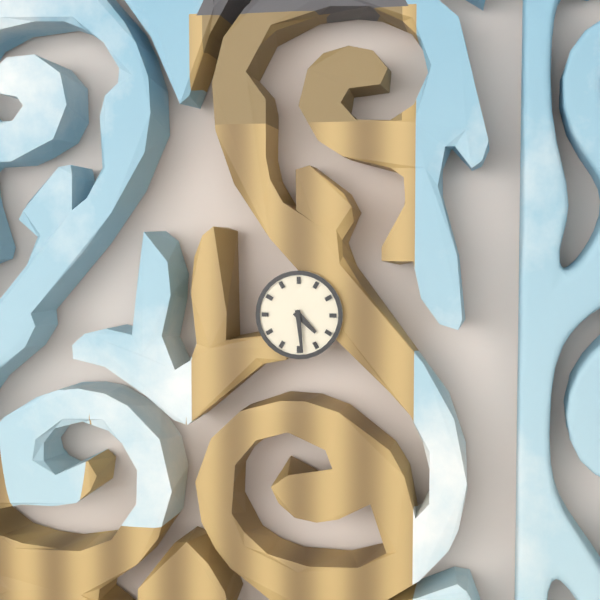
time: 4:29
